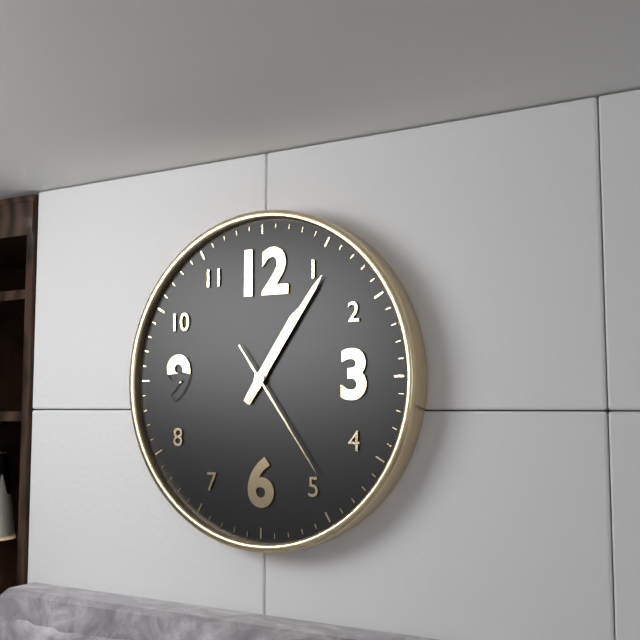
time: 1:06:24
